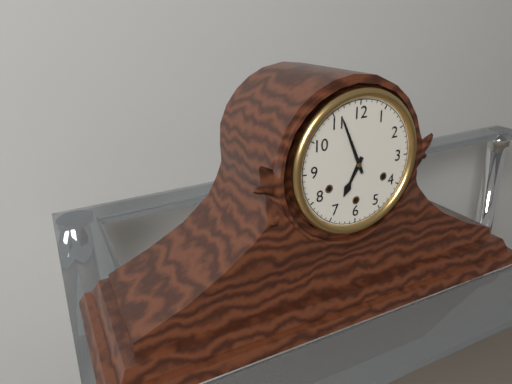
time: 6:56
